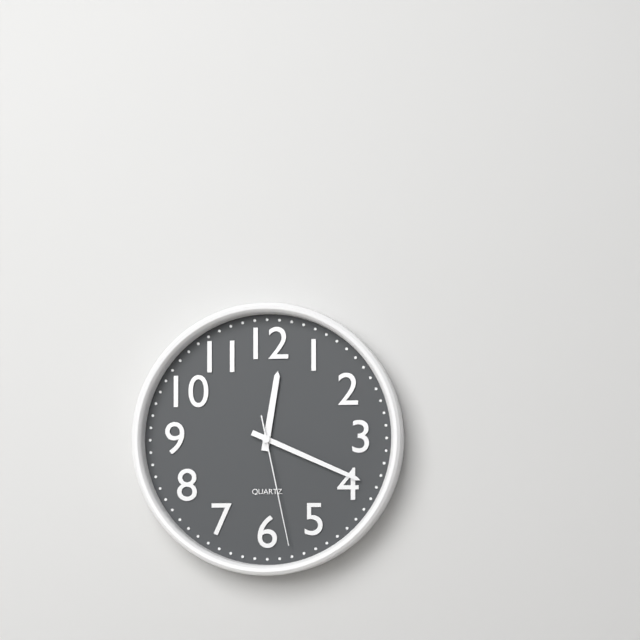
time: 12:19:28
